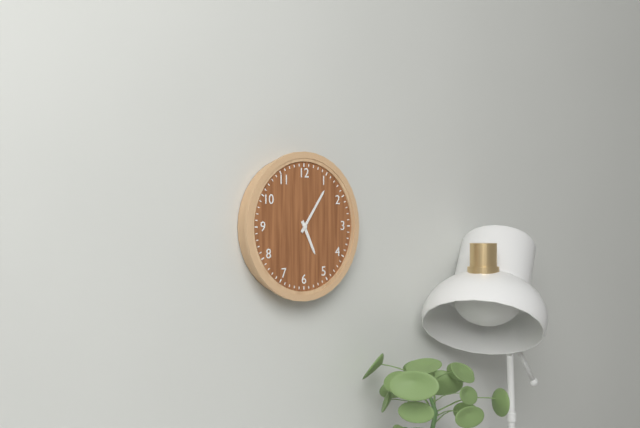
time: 5:06
